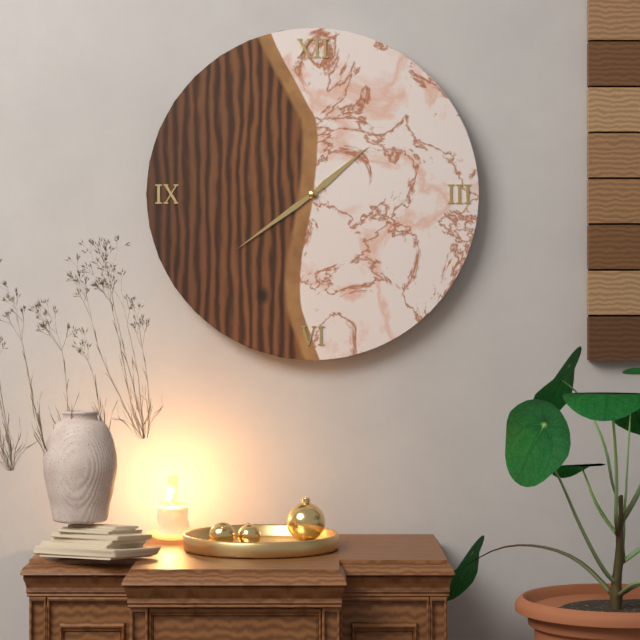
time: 1:39
